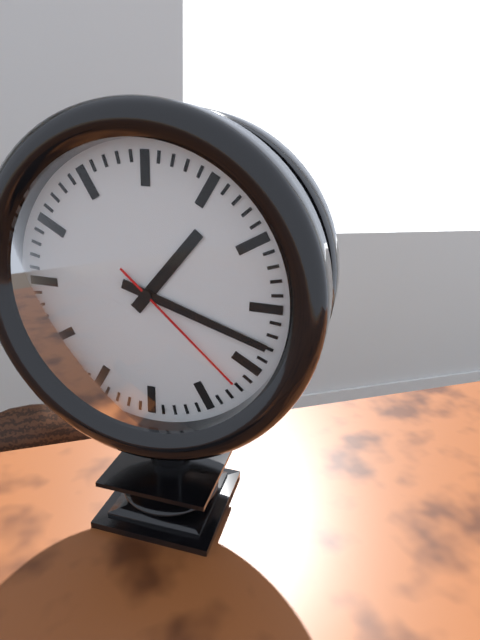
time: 1:18:22
